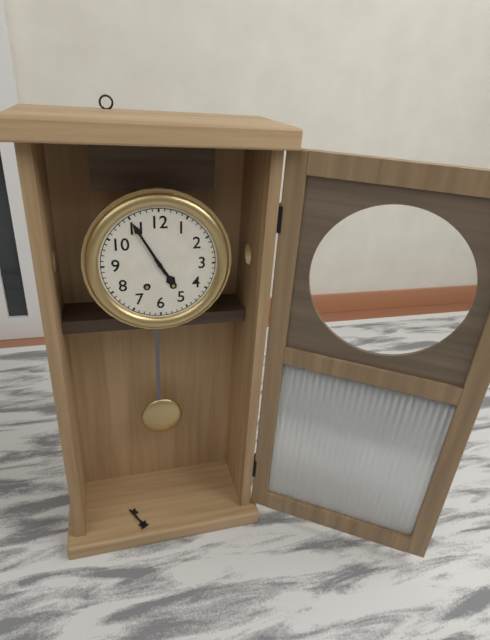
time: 4:55
